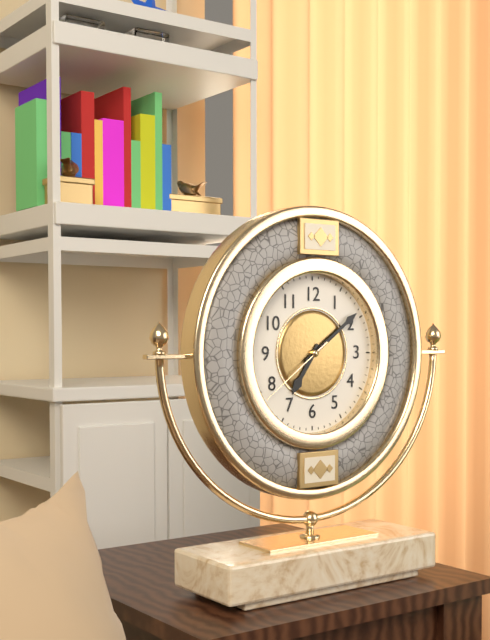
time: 7:09:39
